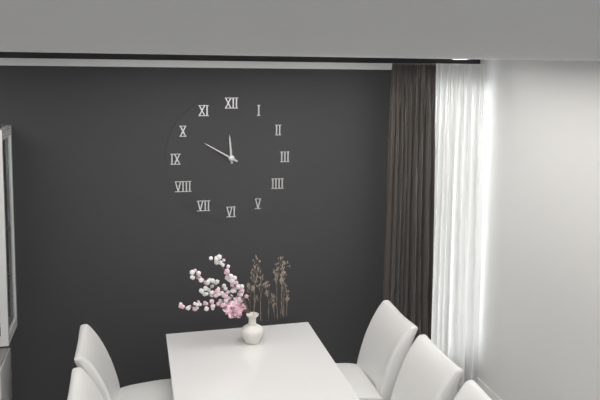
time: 11:50
